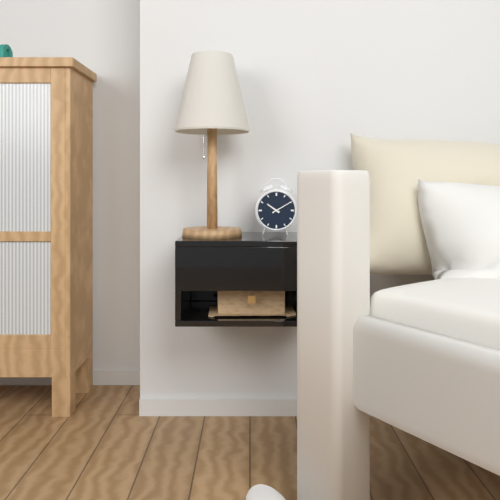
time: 10:10
